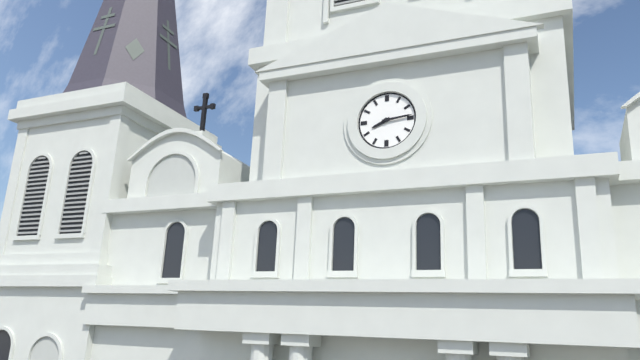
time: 8:14
